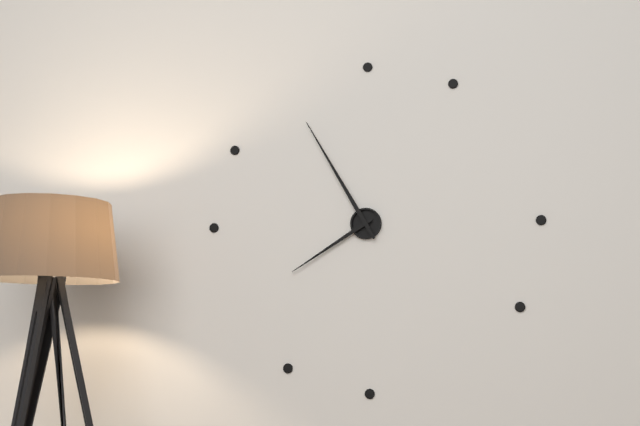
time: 7:55
